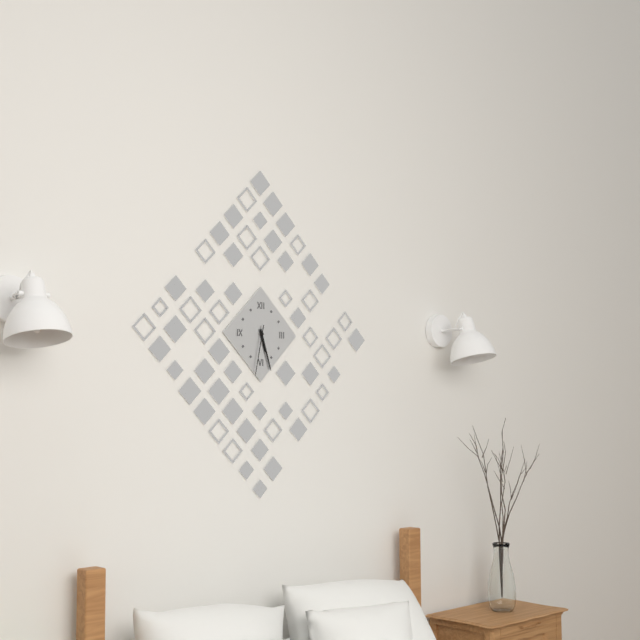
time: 5:27:32
